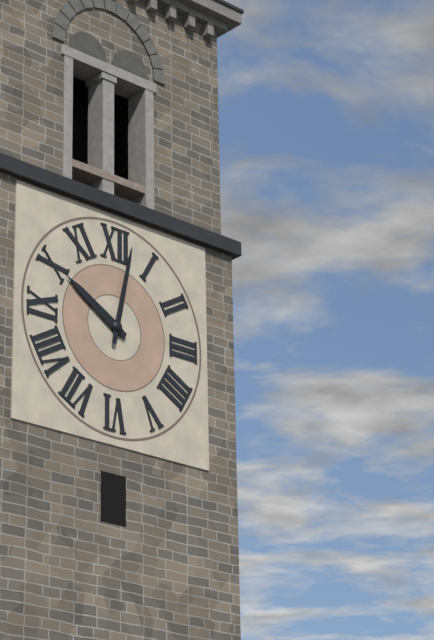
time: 10:02
